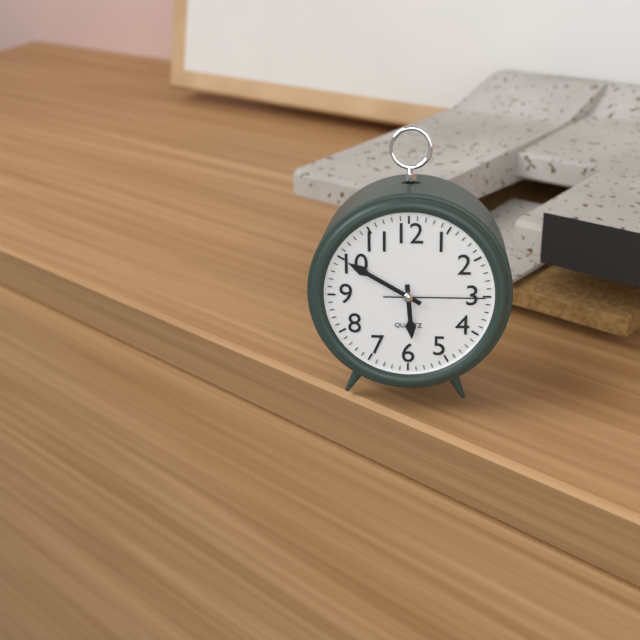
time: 5:50:15
